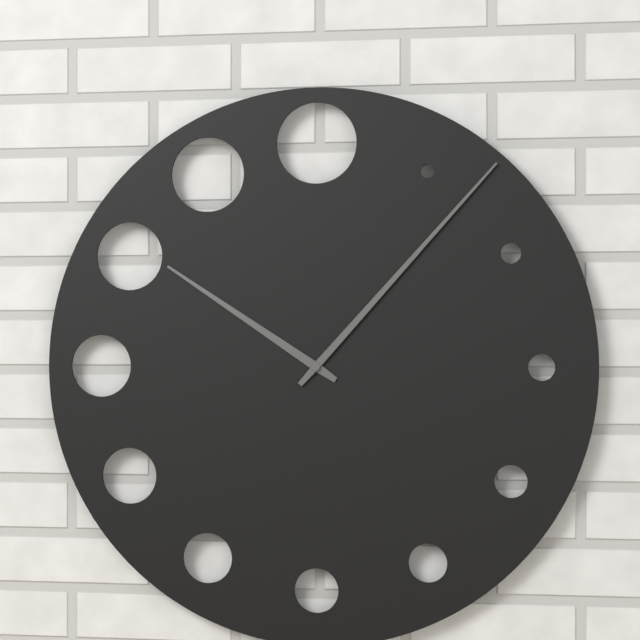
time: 10:07
